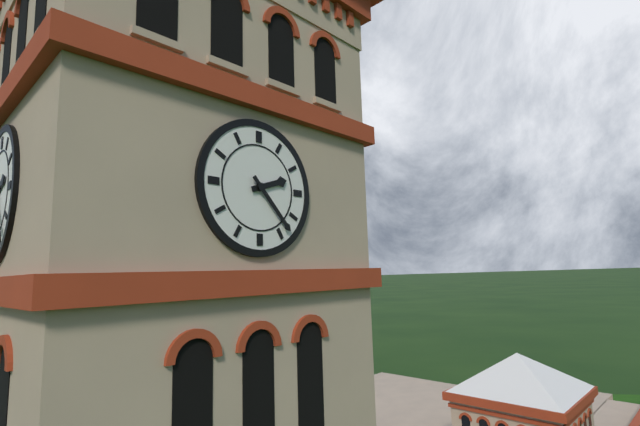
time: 2:23
